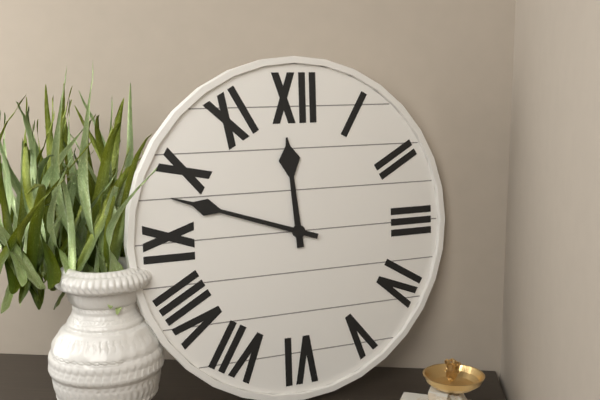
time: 11:48
